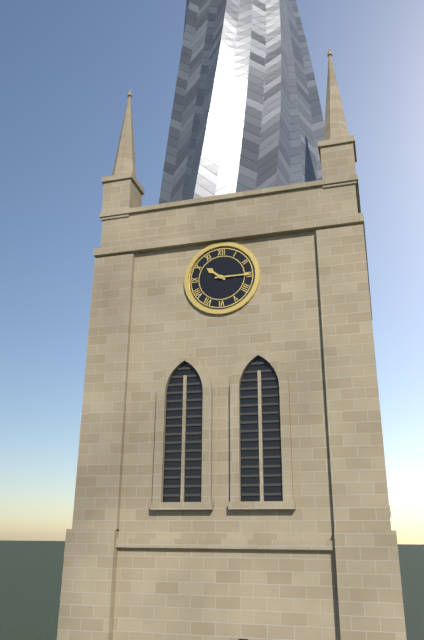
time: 10:15
